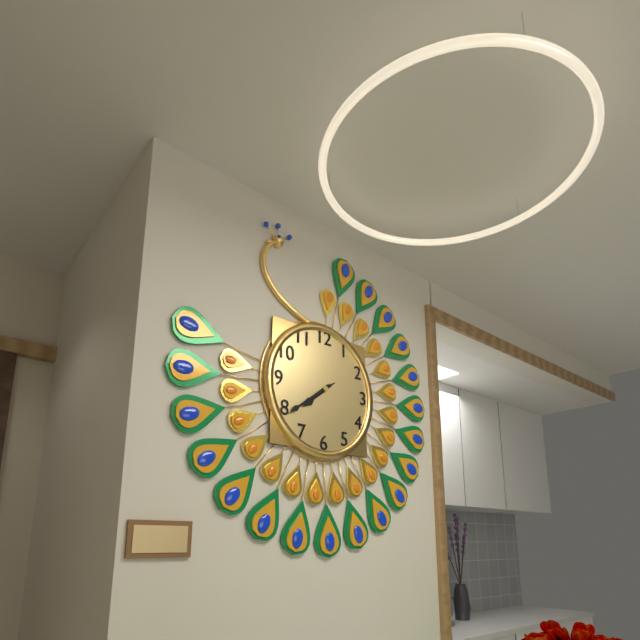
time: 7:39:39
